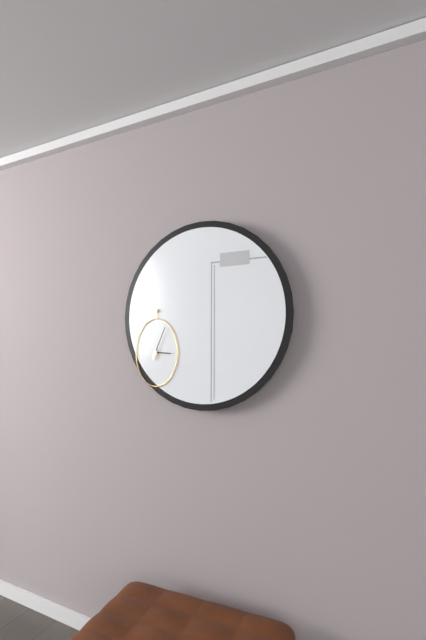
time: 3:04
